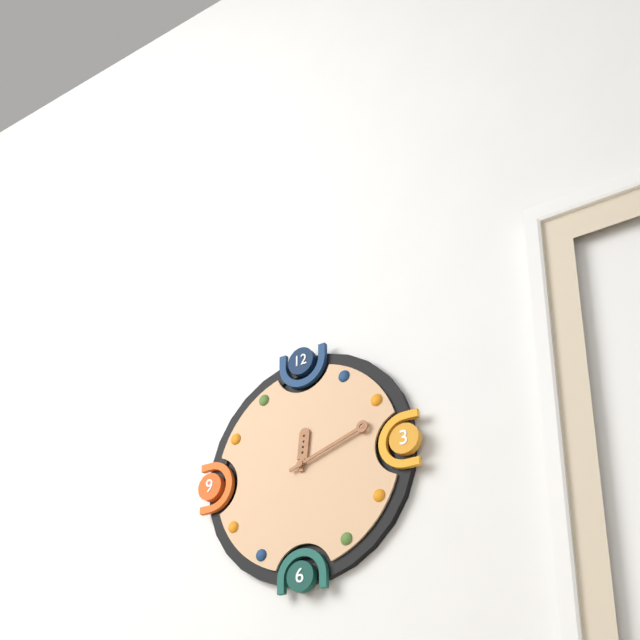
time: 12:12
